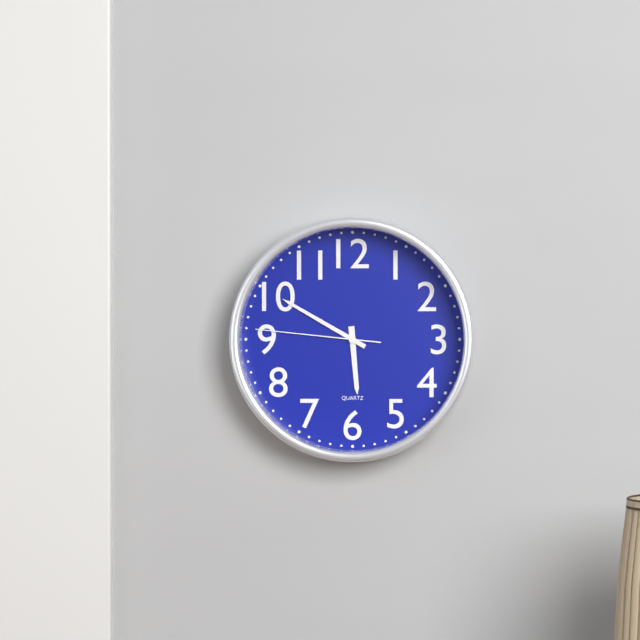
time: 5:50:46
